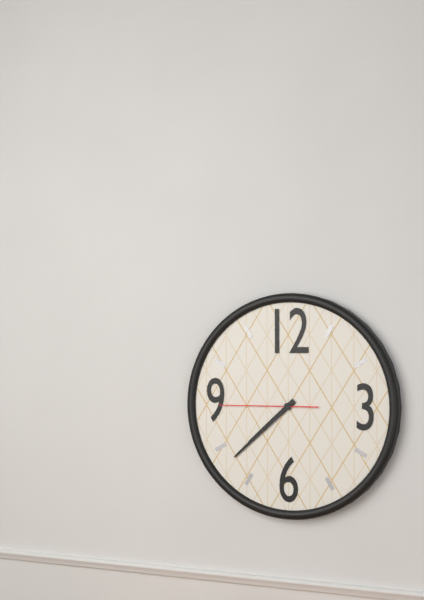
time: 7:38:45
